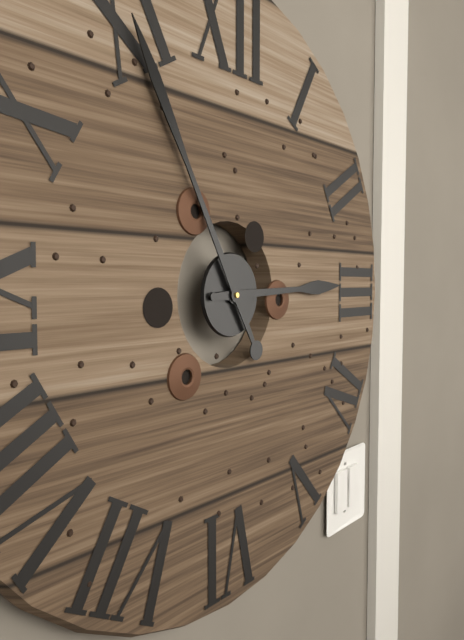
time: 2:55
